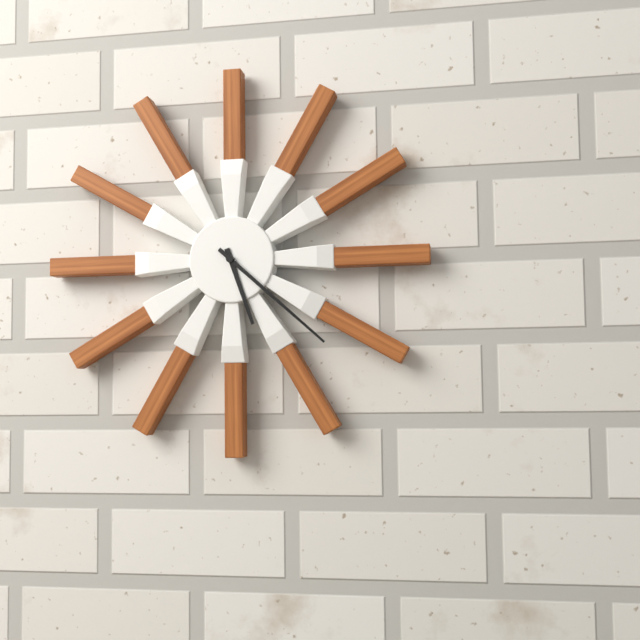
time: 5:22
